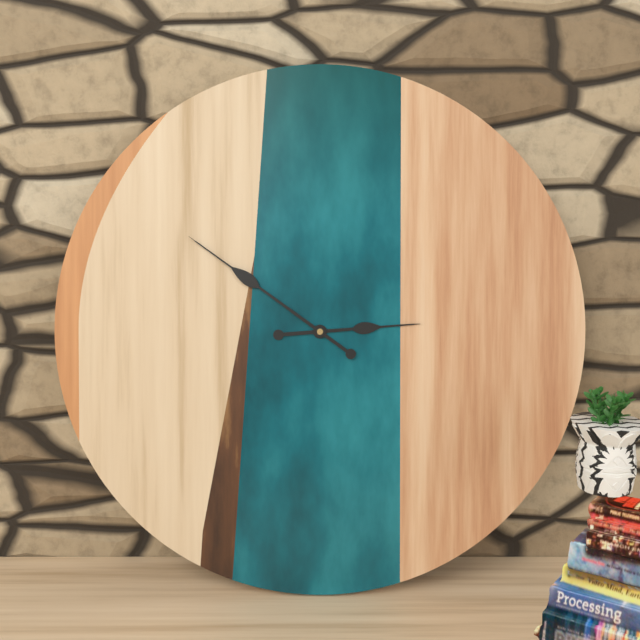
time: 2:51
